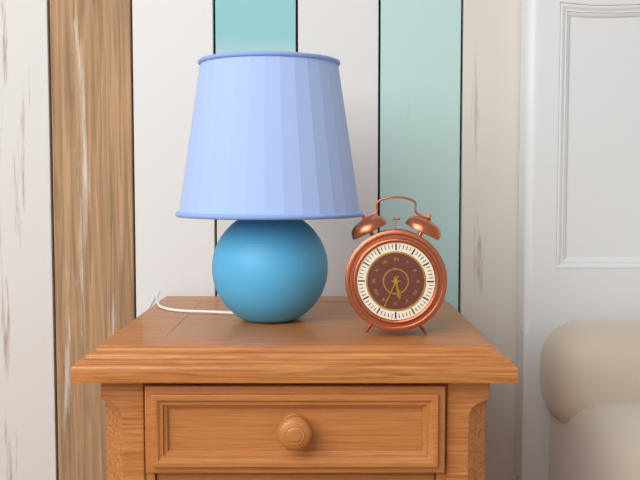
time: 5:34
